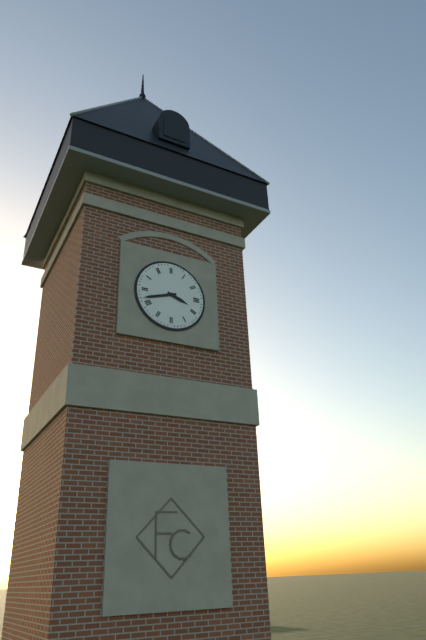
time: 3:42
